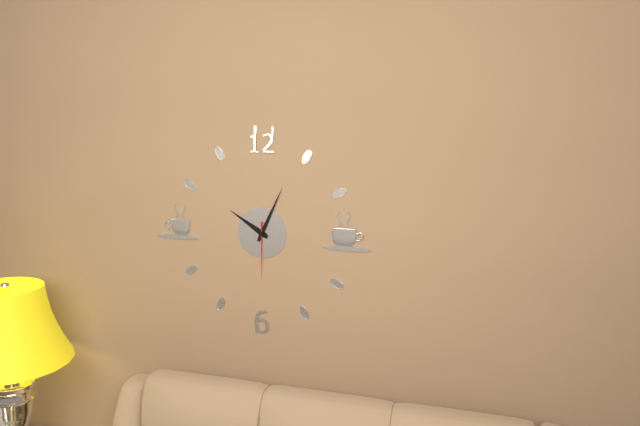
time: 10:04:30
